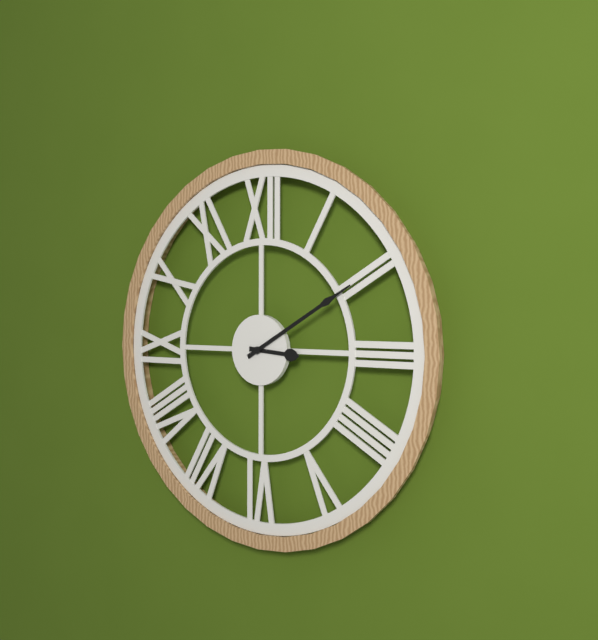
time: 3:10
